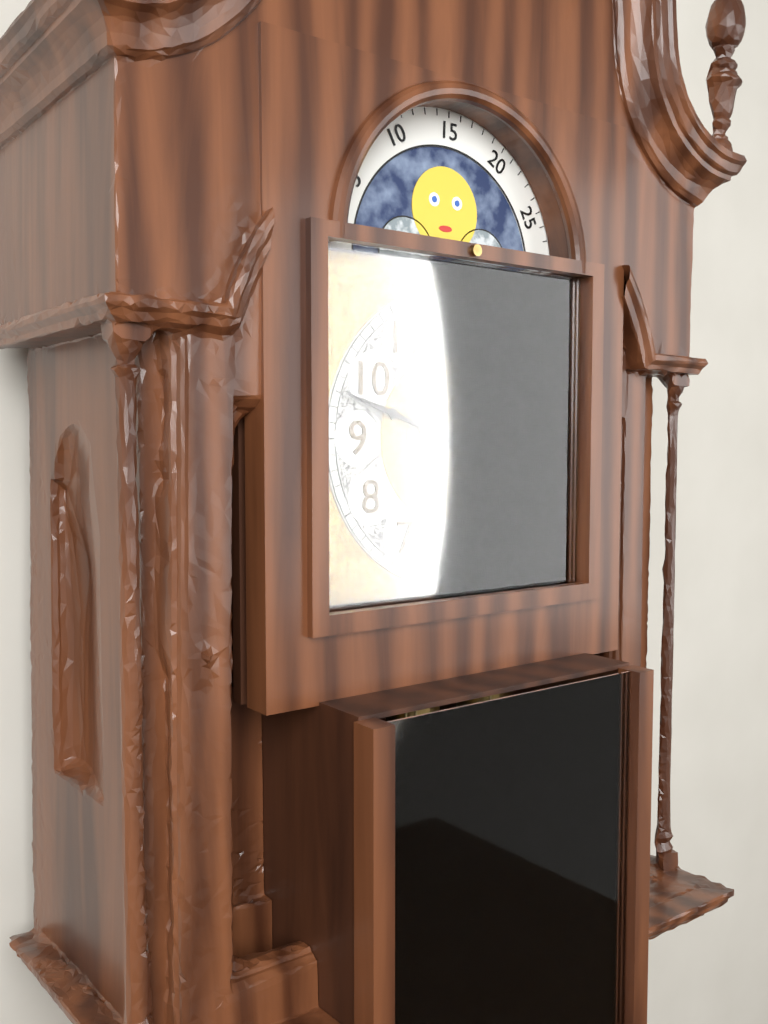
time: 2:48
